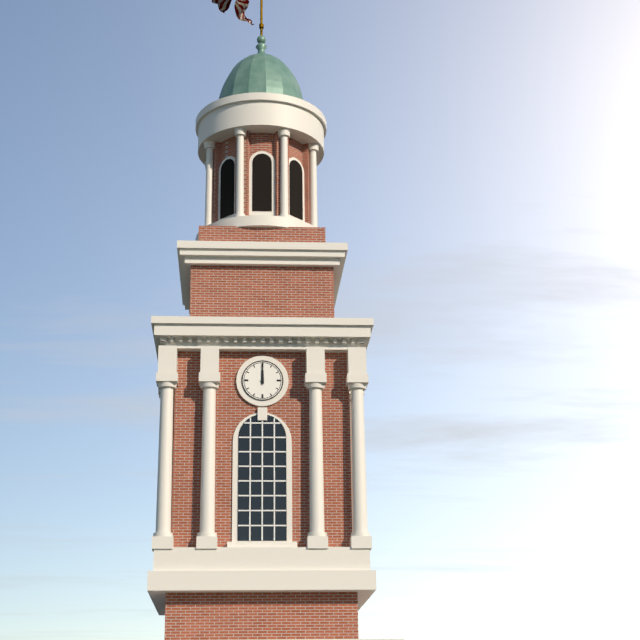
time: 12:00
